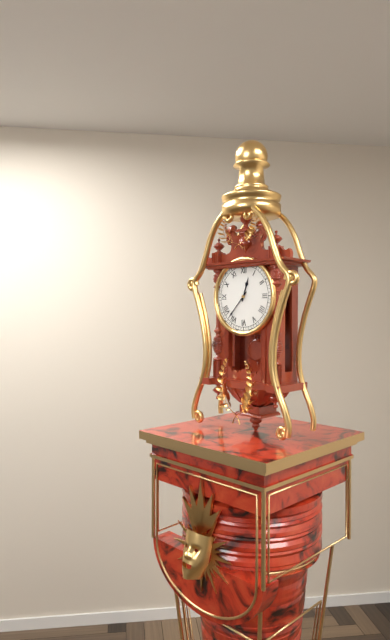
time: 12:37
